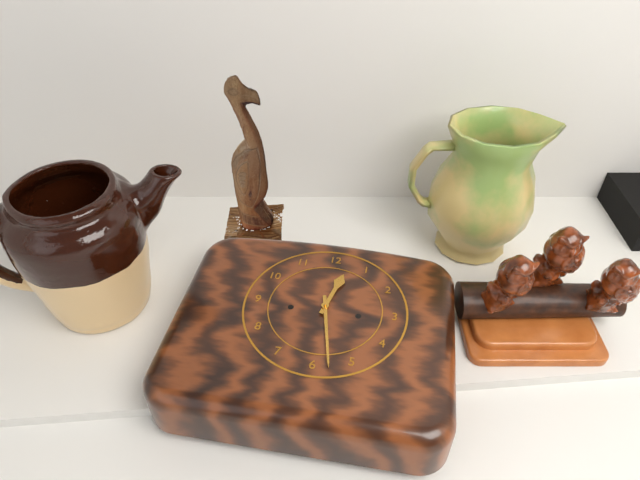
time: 12:28
